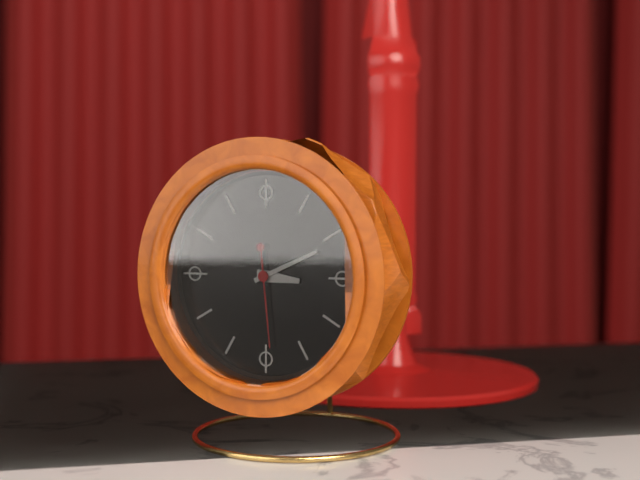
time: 3:11:29
